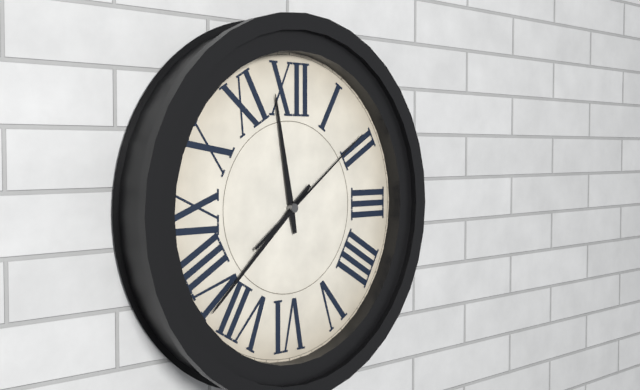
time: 11:38:09
